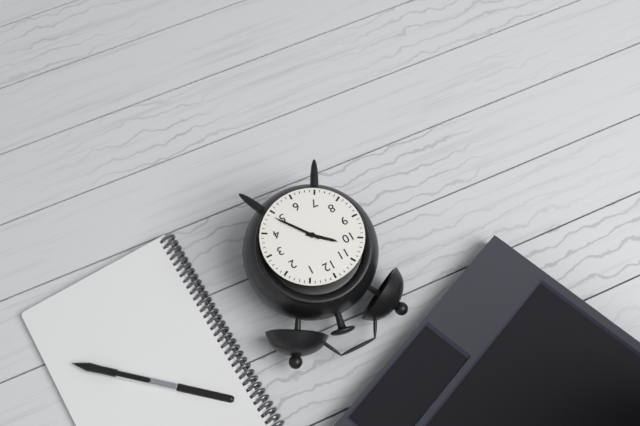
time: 10:24
